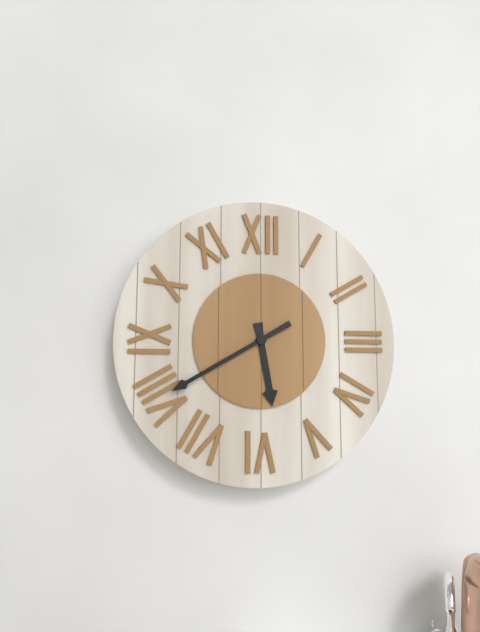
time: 5:40
